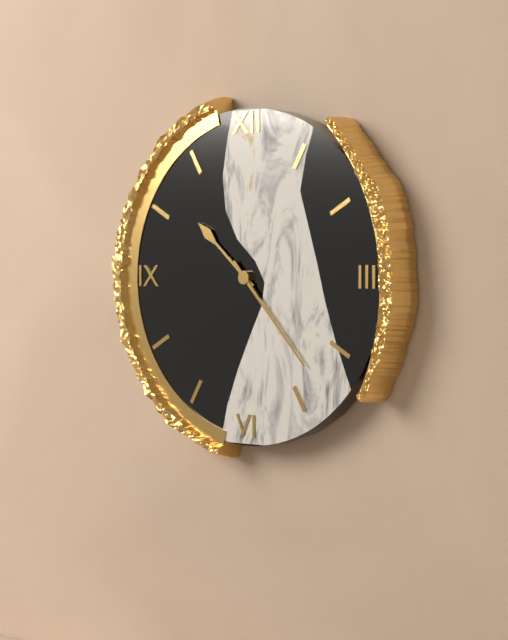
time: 10:23
